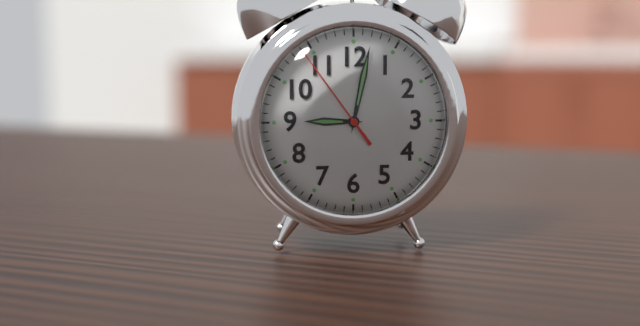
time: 9:02:54
